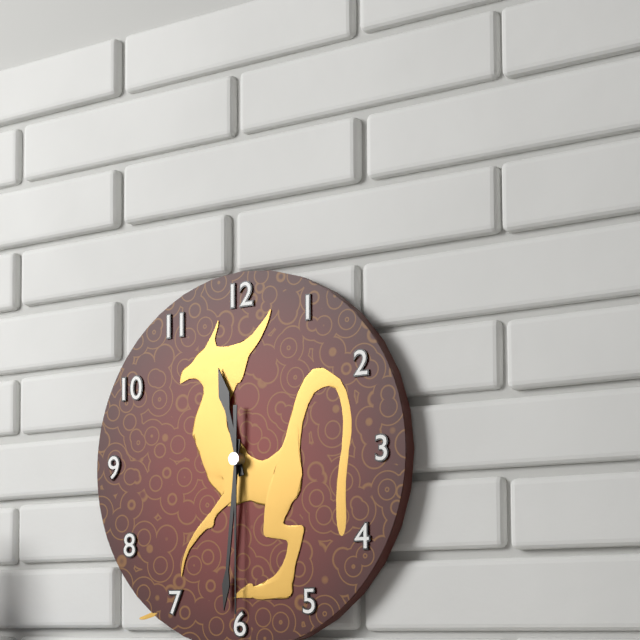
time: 11:31:30
